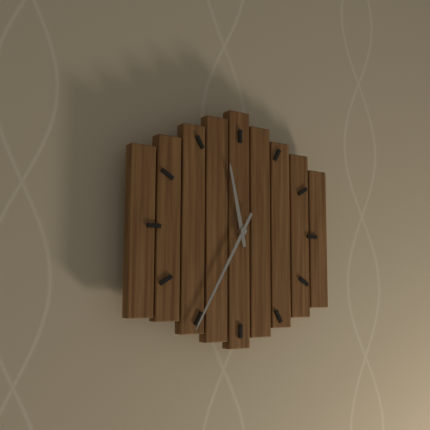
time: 11:35
